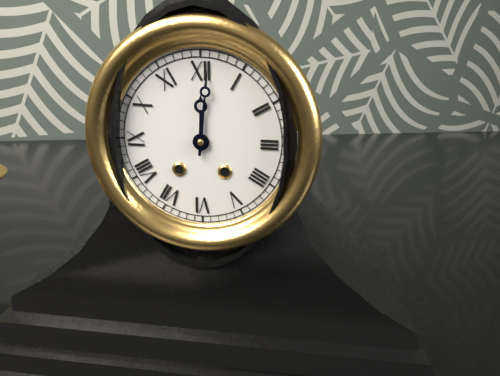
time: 12:01
